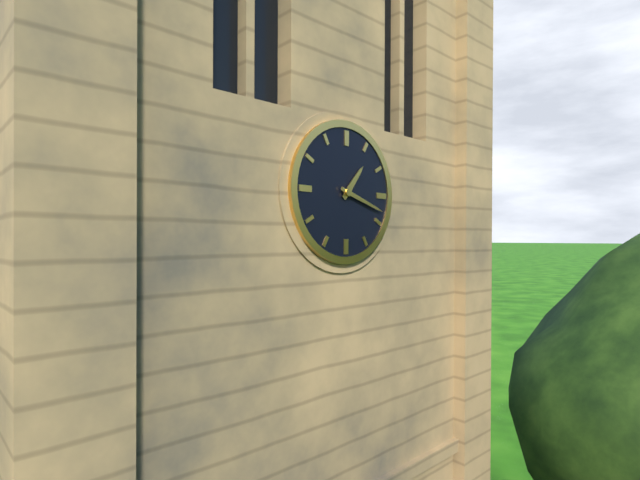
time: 1:18
